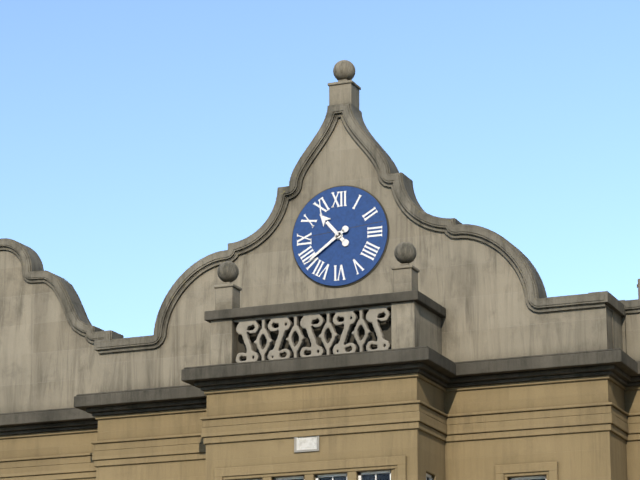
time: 10:39
